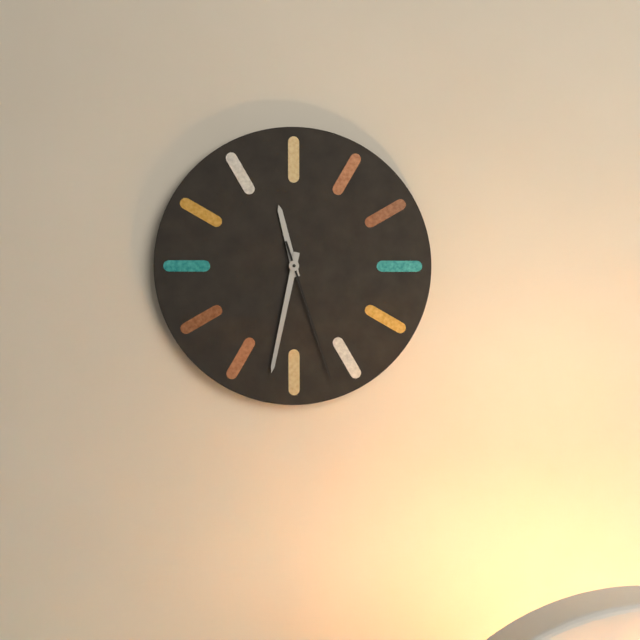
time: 11:32:27
